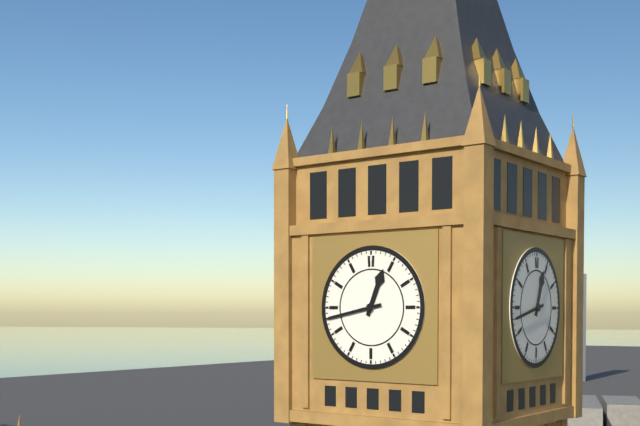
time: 12:43
